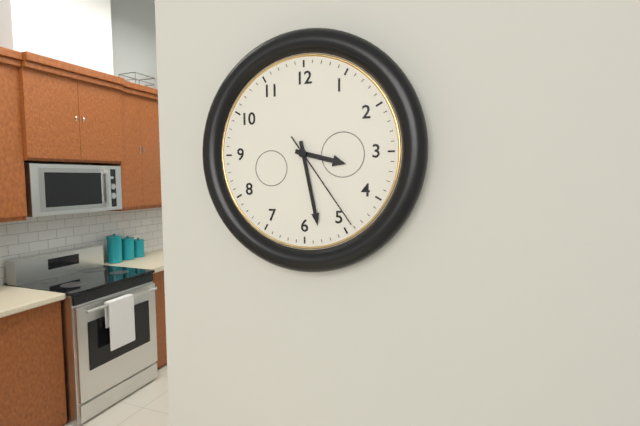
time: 3:28:24
